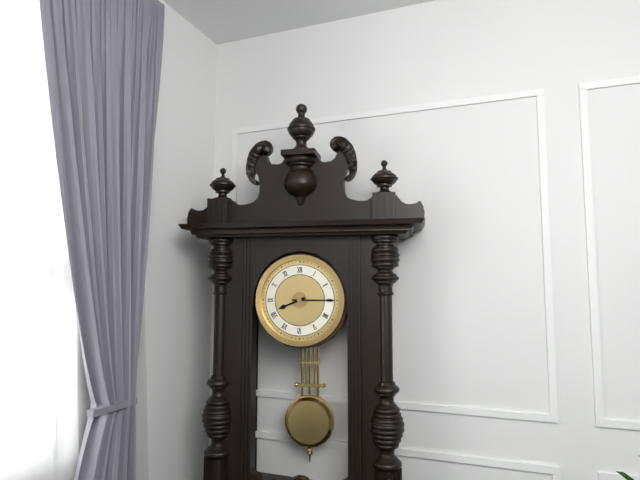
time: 8:15
